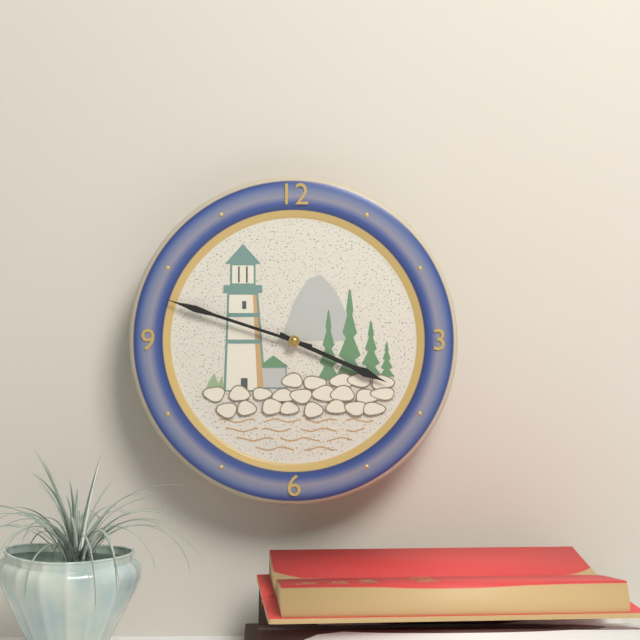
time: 3:48
